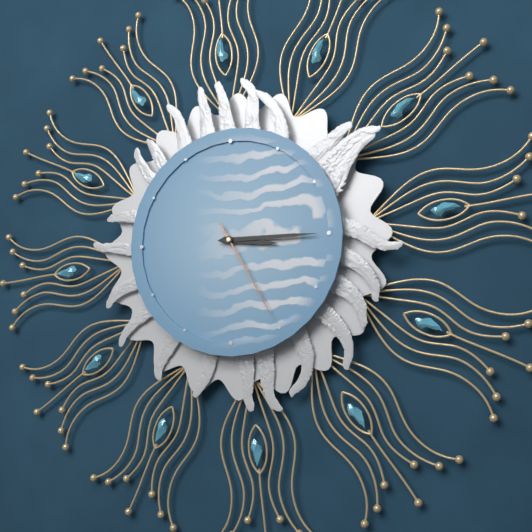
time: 3:15:25
